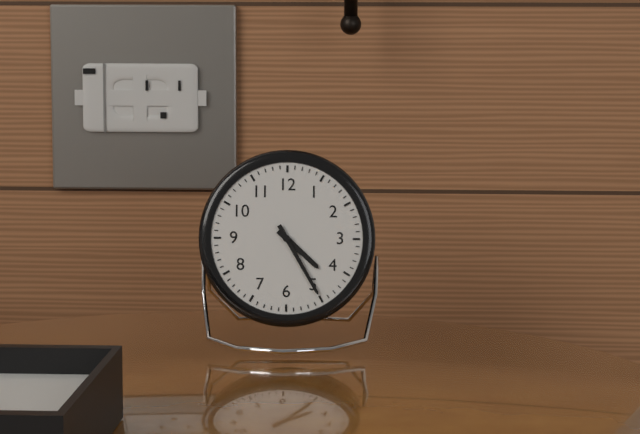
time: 4:25
